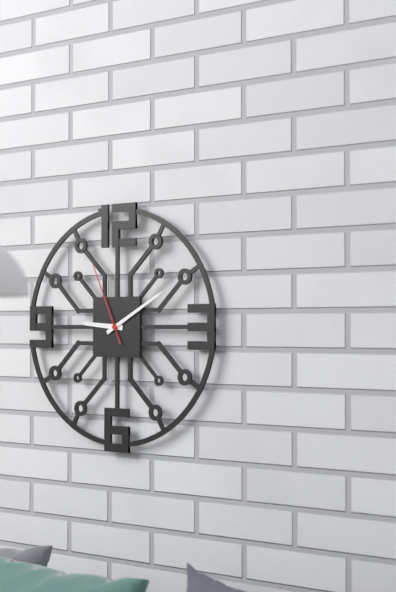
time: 9:10:56
